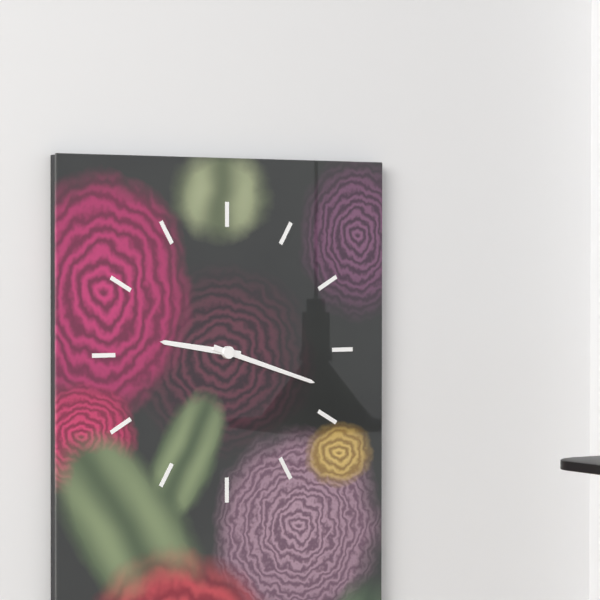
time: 9:18
